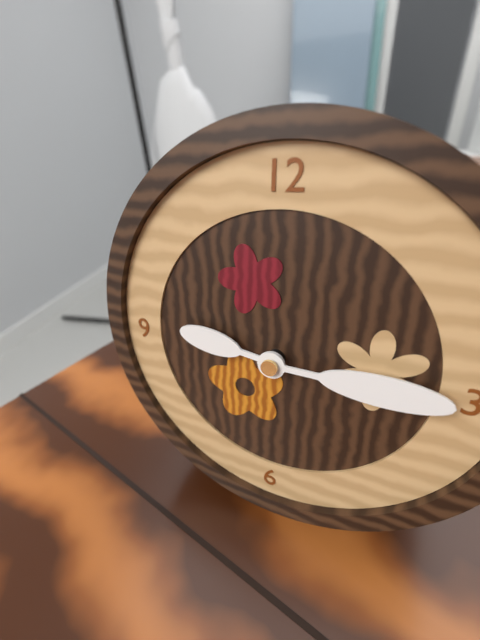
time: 9:15
